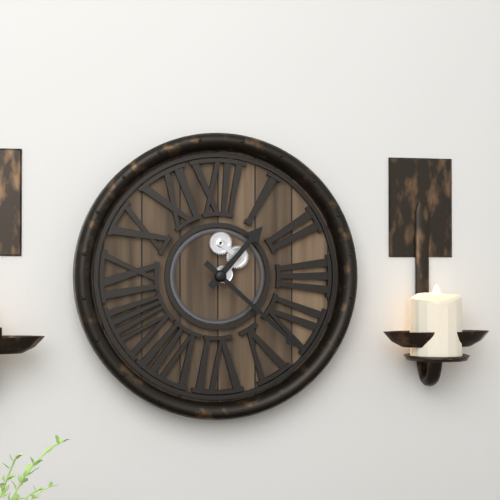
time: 1:22
